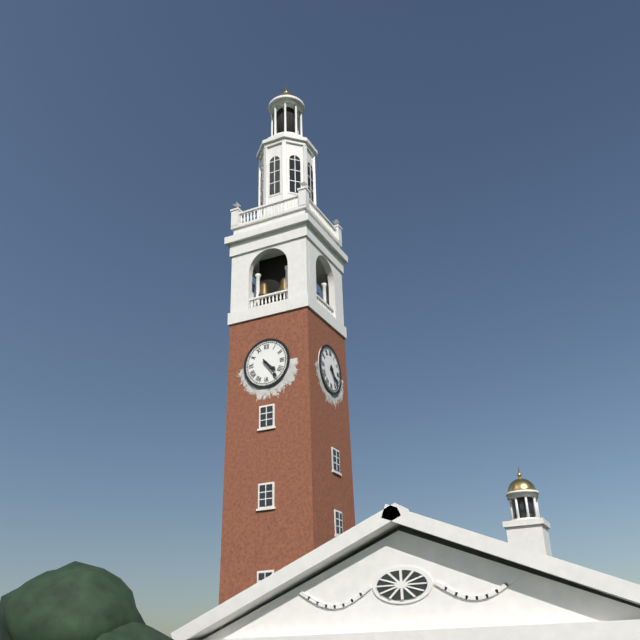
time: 4:24
